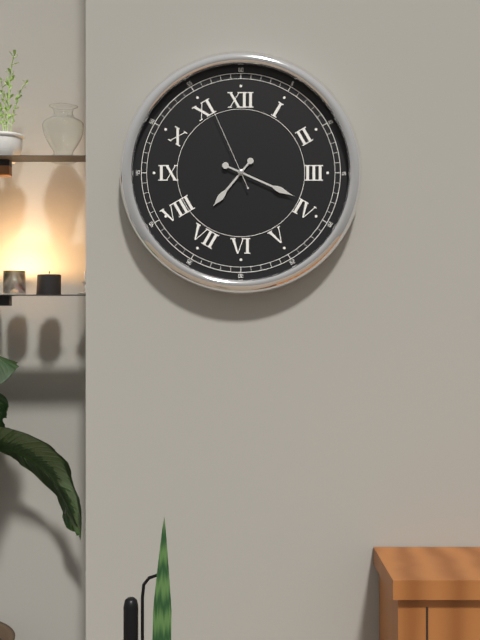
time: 7:19:56
